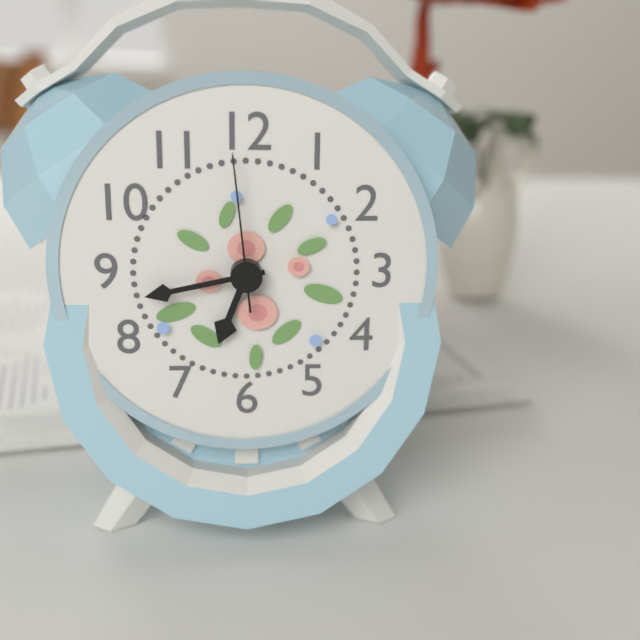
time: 6:43:59
